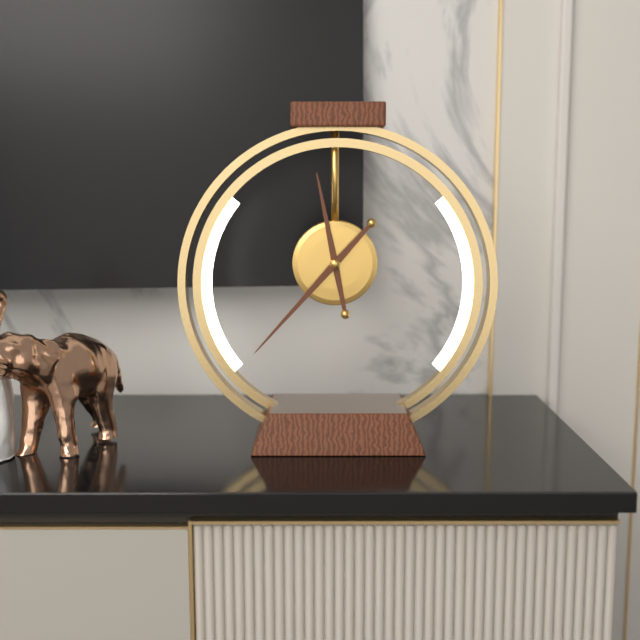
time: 11:37
